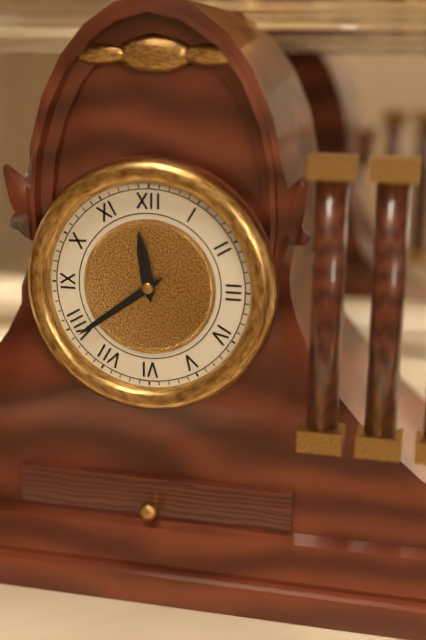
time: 11:39
